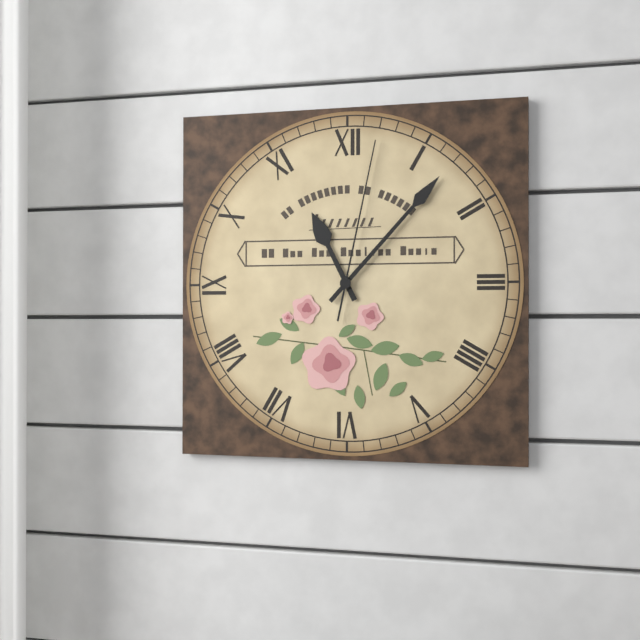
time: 11:07:02
